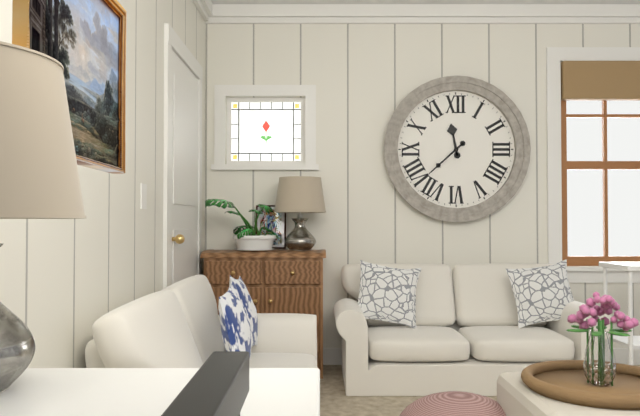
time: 11:38
